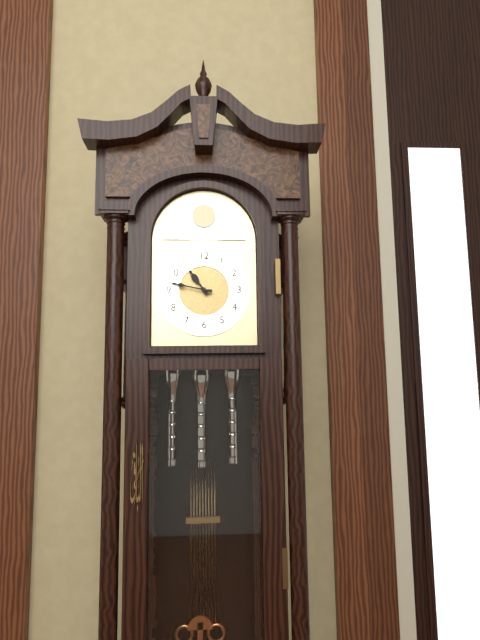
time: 10:47
